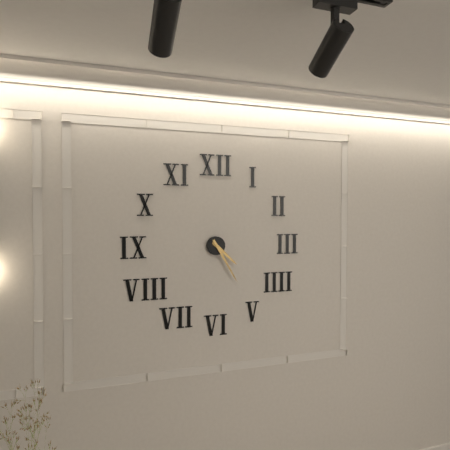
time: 4:25
